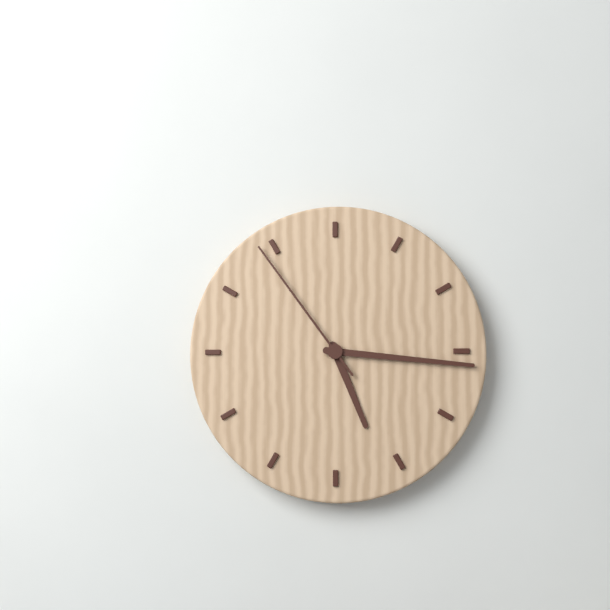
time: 5:16:54
